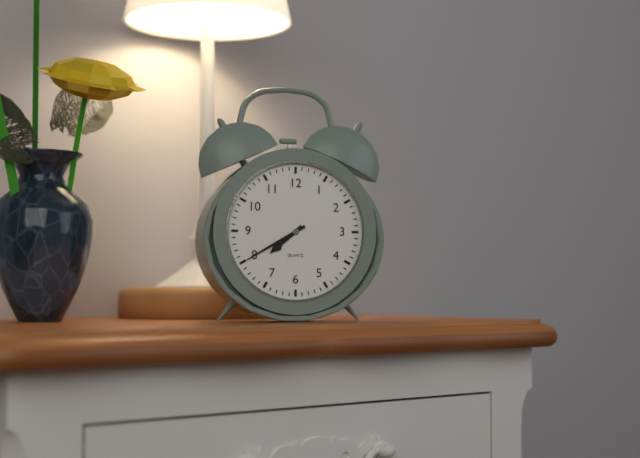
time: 7:40
